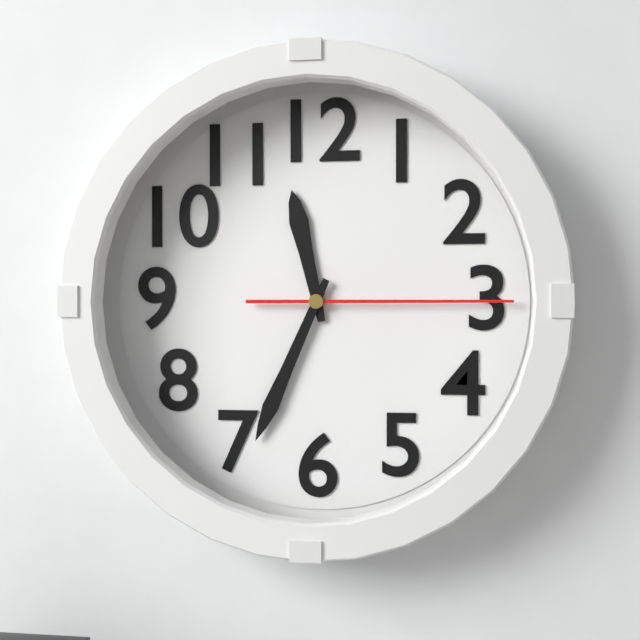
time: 11:34:15
